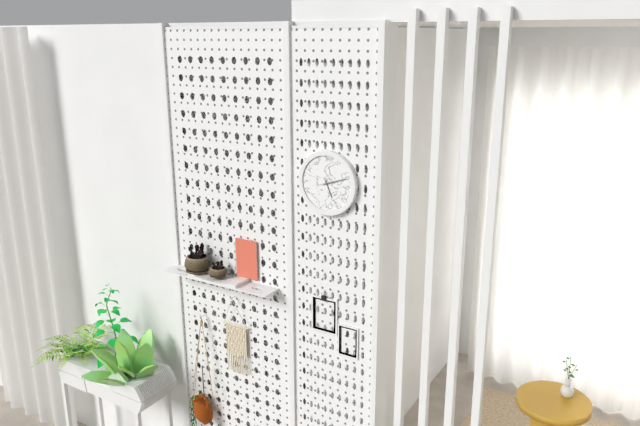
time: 5:12
